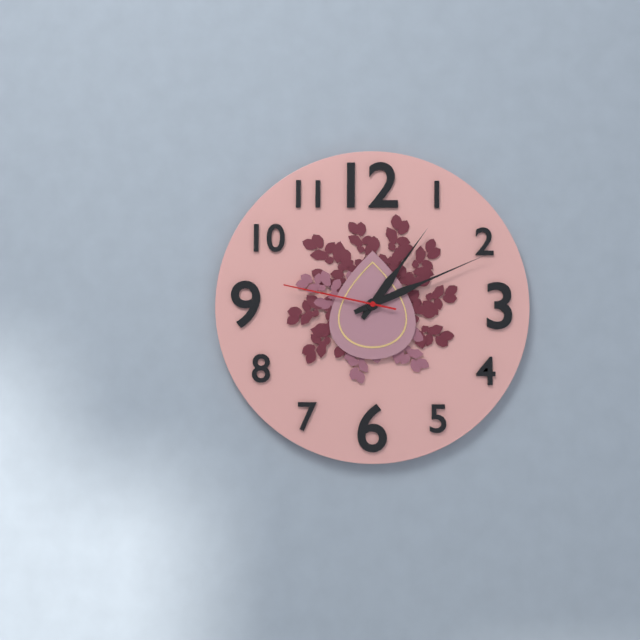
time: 1:11:47
